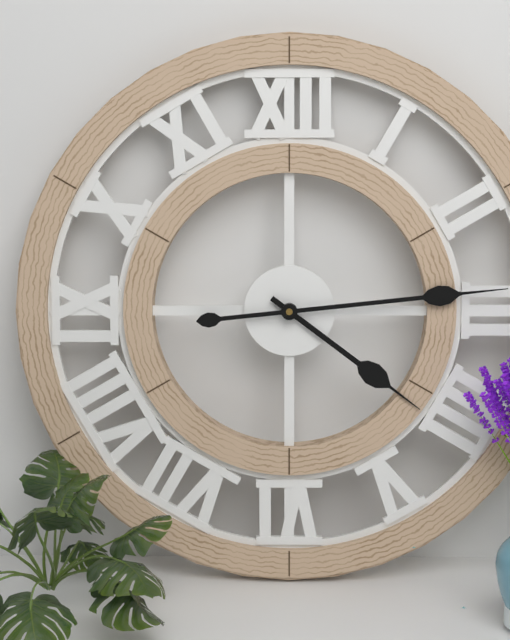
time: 4:14
